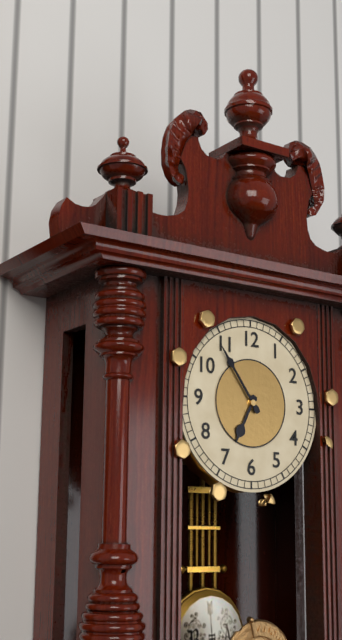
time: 6:54
